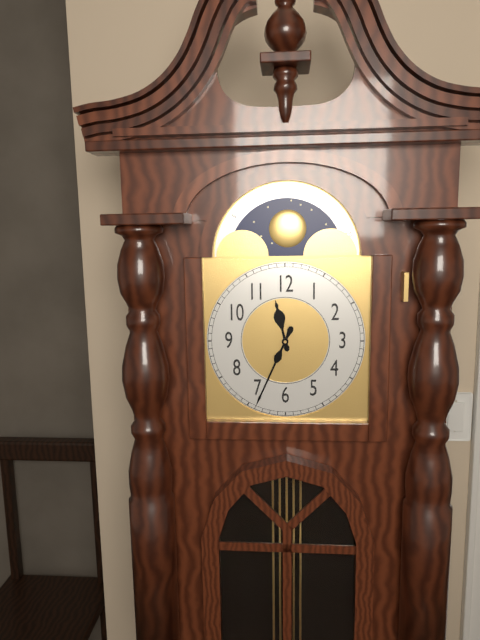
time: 11:34
